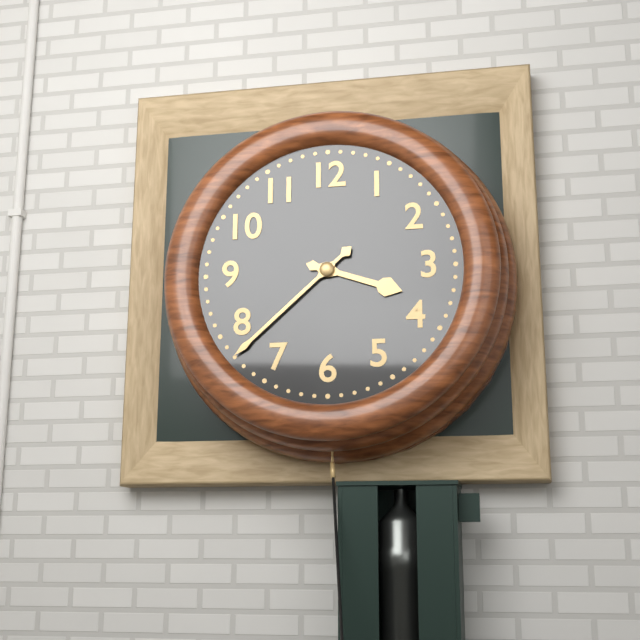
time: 3:38
